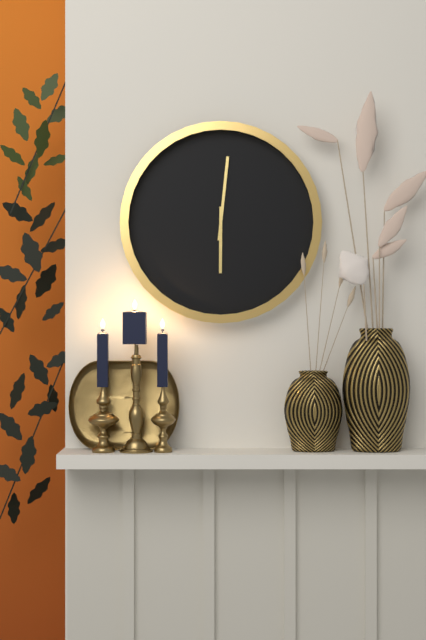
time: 6:01
